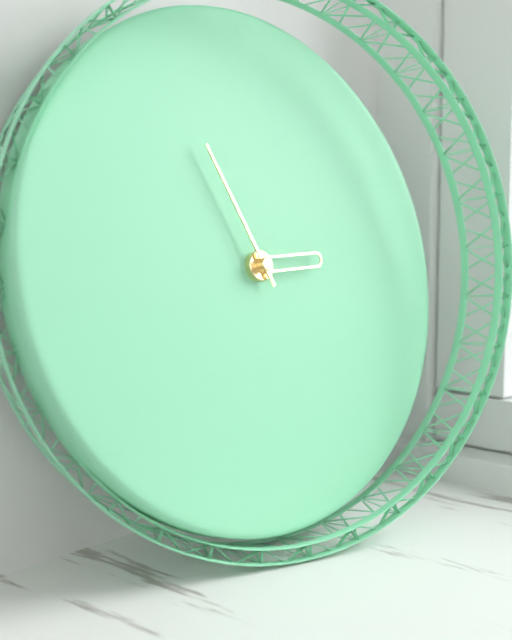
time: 2:56
